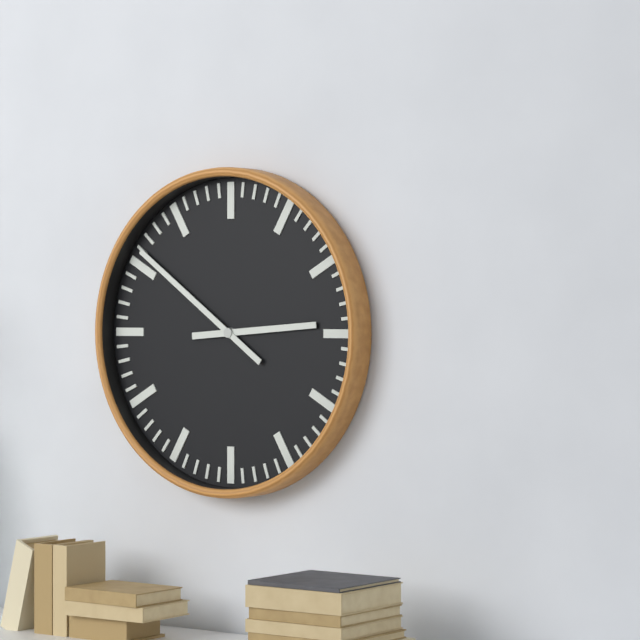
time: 2:51
